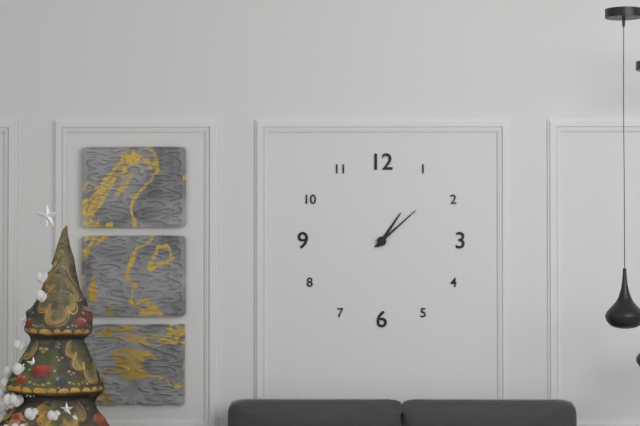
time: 1:08
